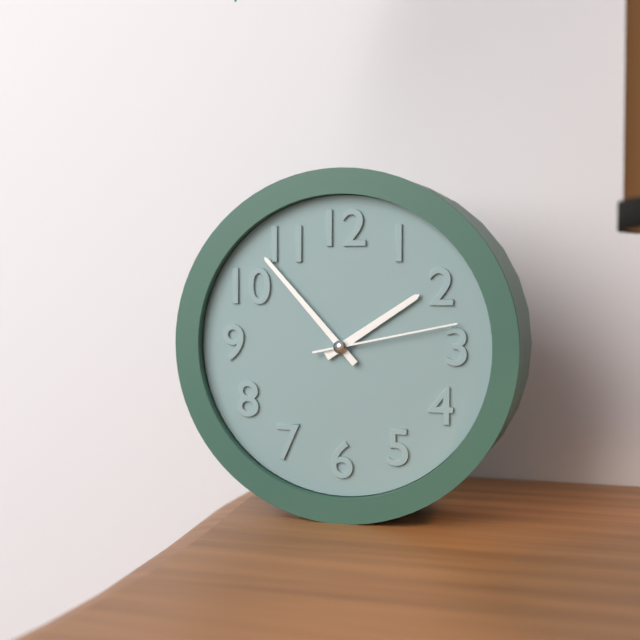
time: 1:53:13
